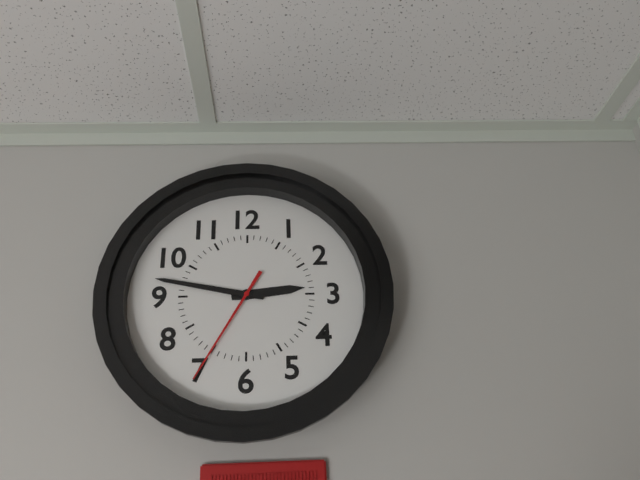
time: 2:47:35
